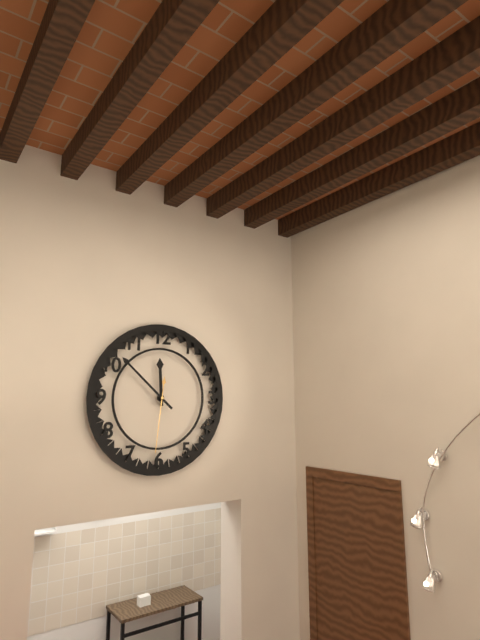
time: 11:52:31
